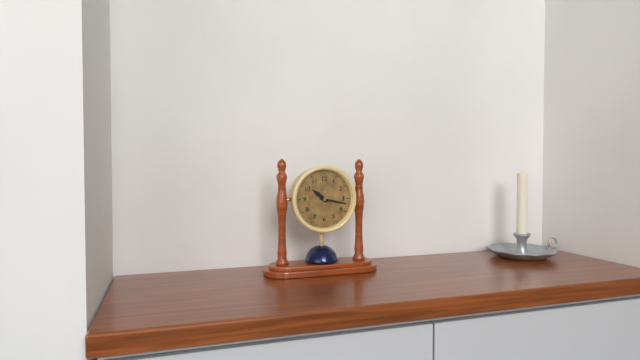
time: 10:17
